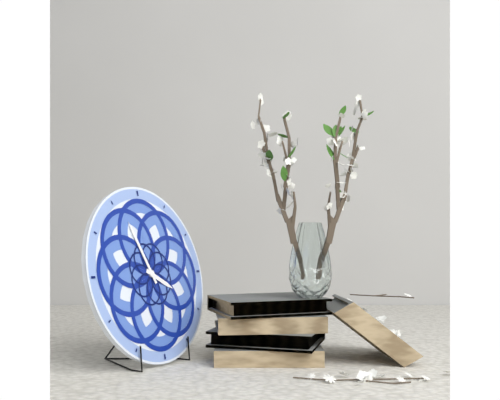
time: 3:56
